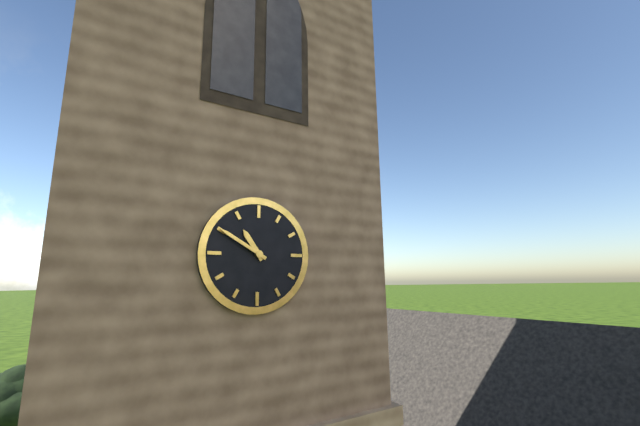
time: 10:50
